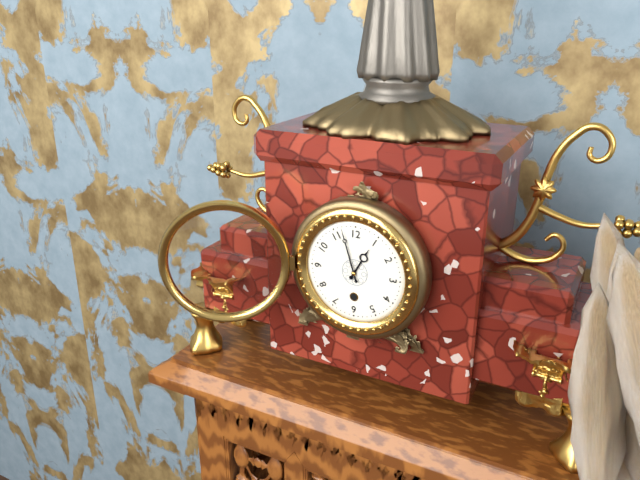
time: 12:57
